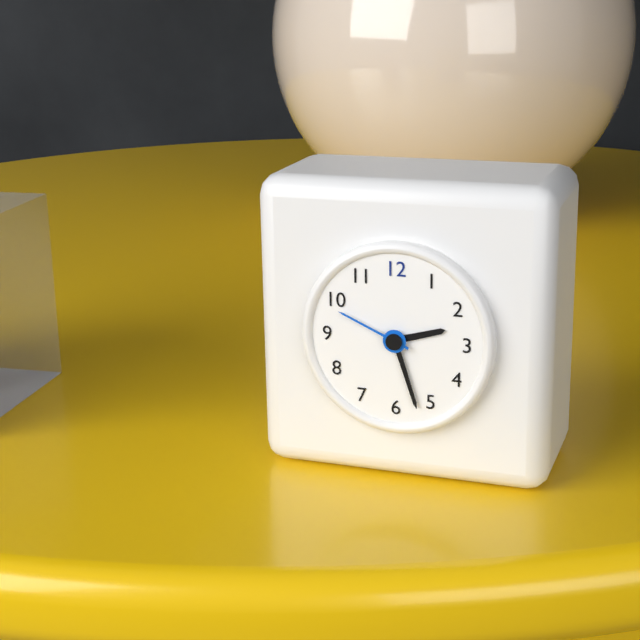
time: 2:27:49
